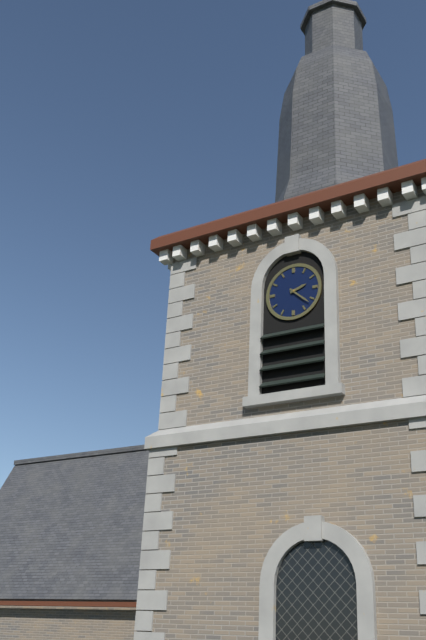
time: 2:22
